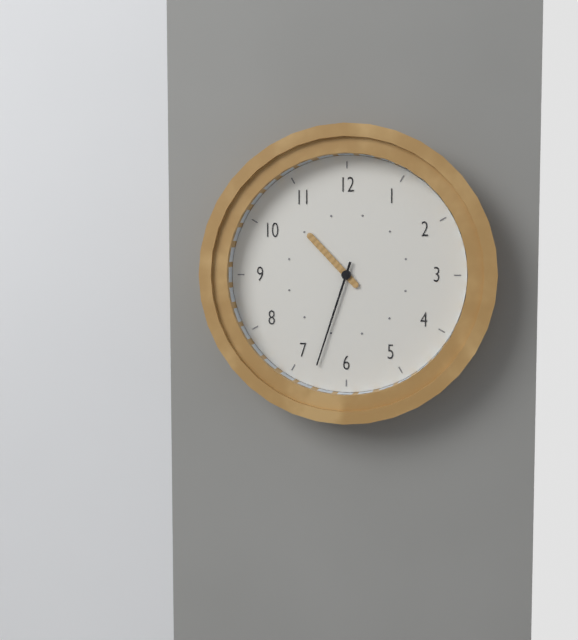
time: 10:33
